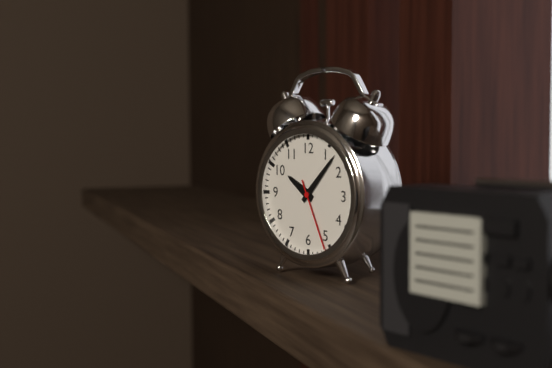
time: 10:07:26
